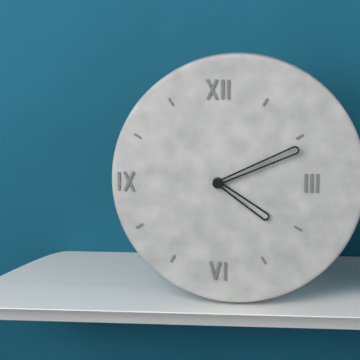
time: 4:11
